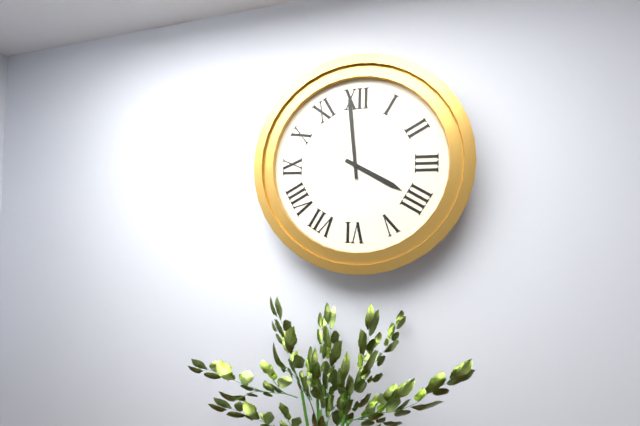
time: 3:59
